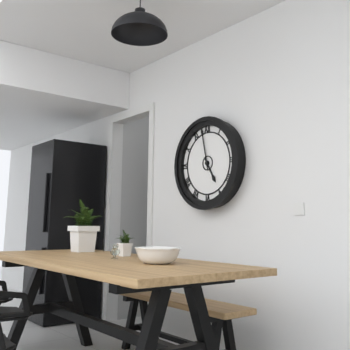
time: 4:58
